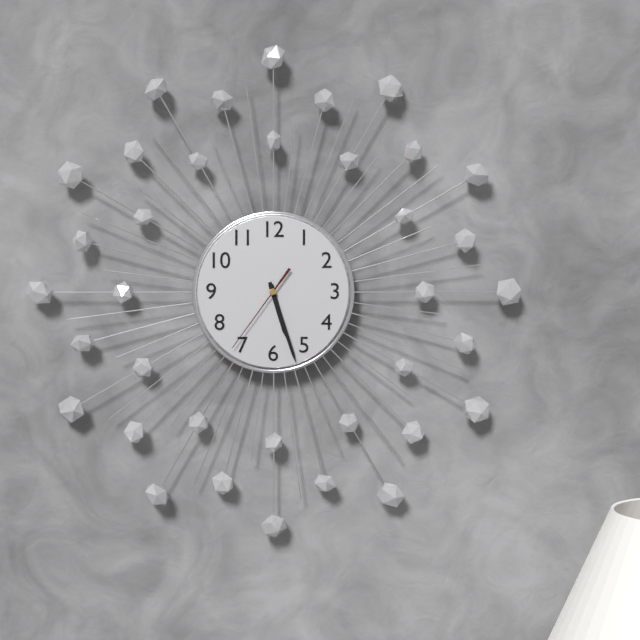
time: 5:27:36
